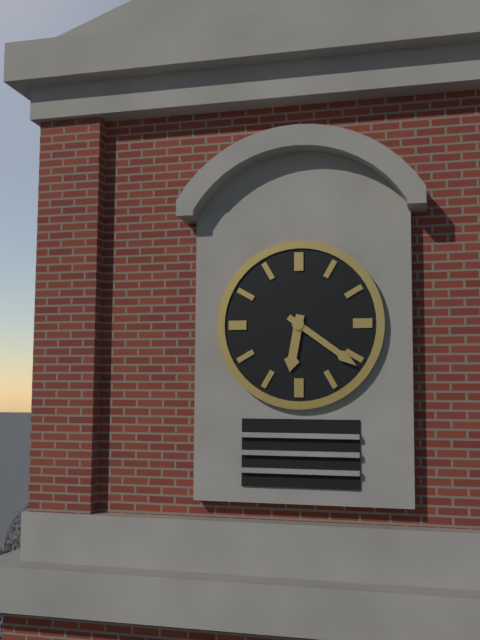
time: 6:21
